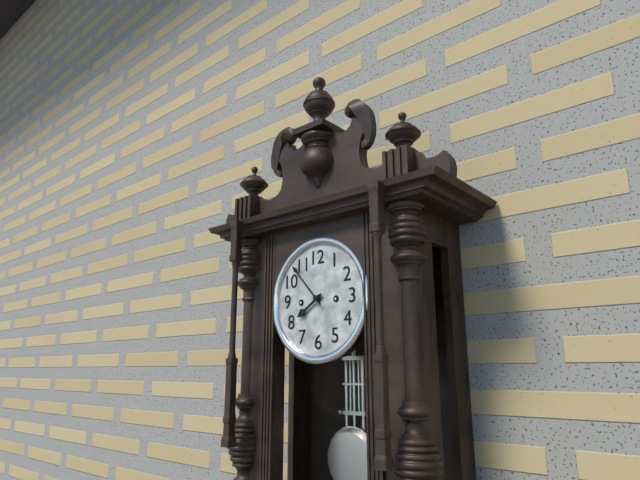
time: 7:53
